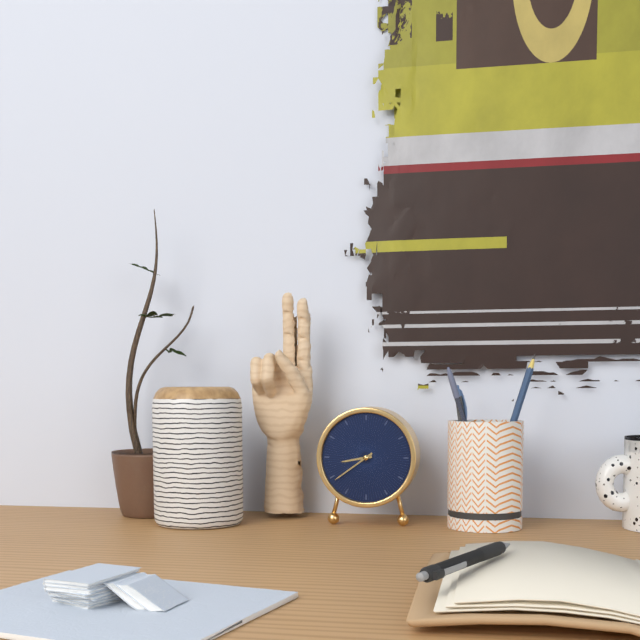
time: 8:39
